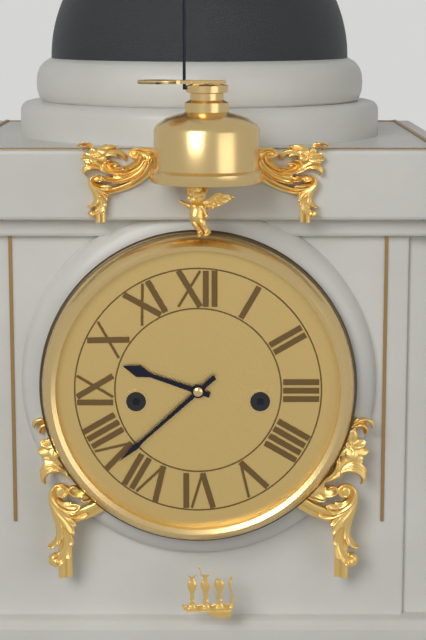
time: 9:38
